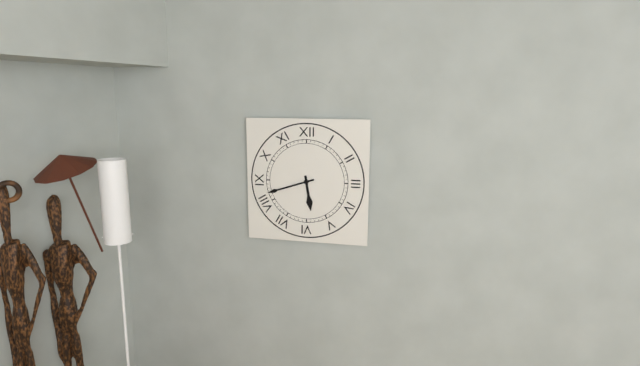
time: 5:42
